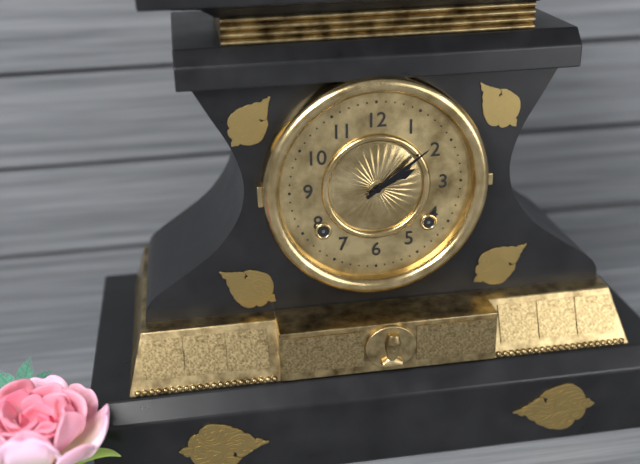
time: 2:09
